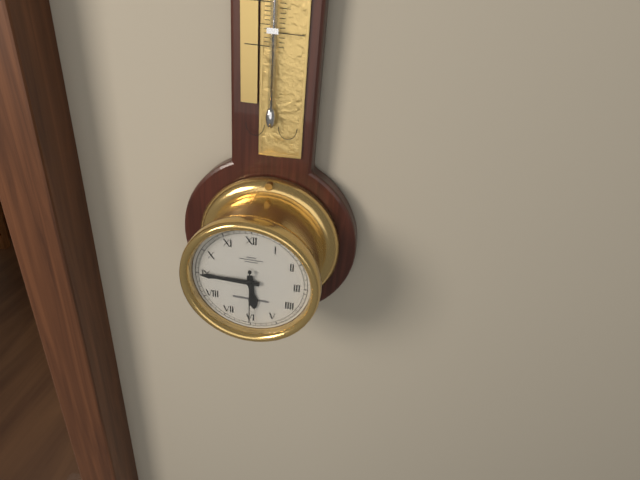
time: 5:45
